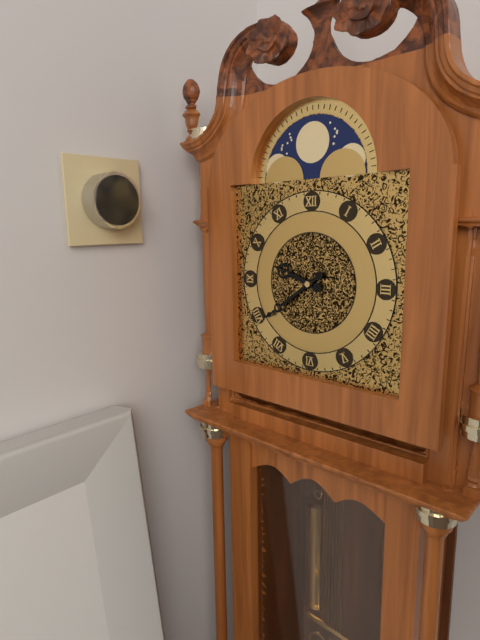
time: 9:39
